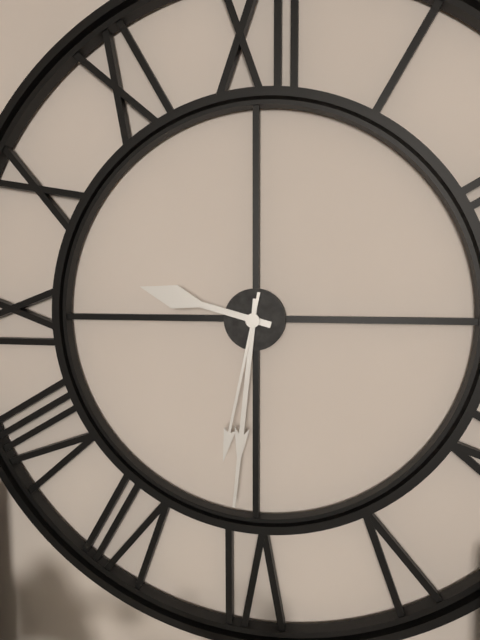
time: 9:31:32
